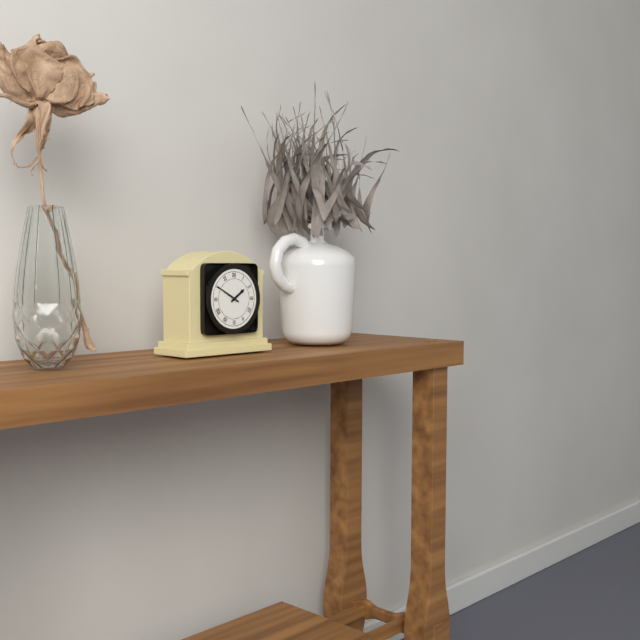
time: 1:50
